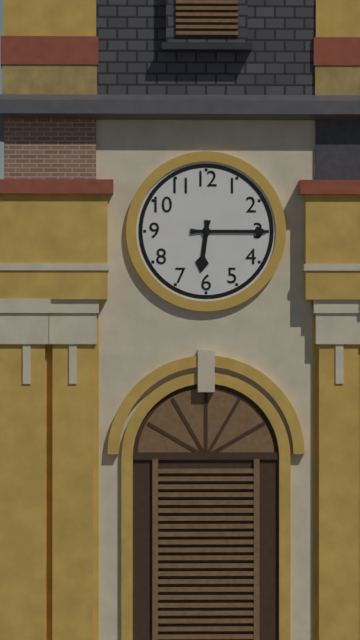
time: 6:15
